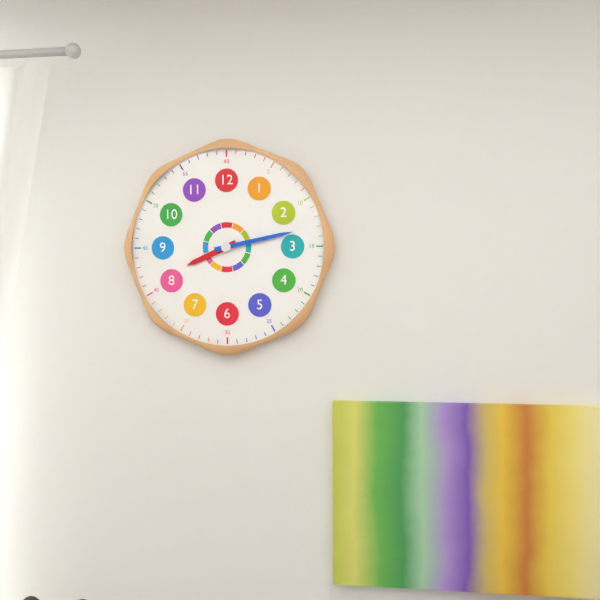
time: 8:13
